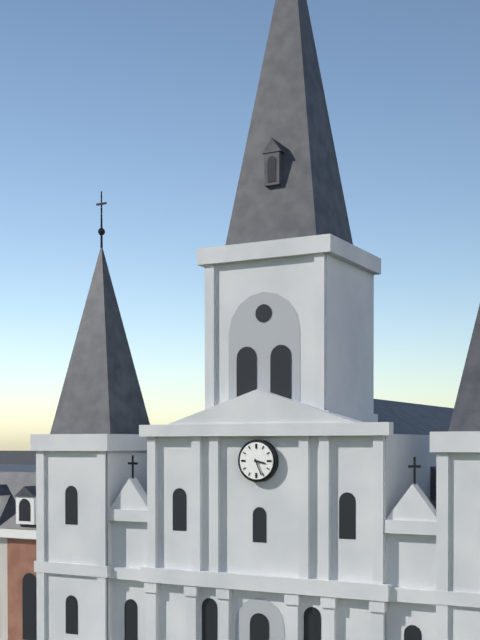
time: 3:26
